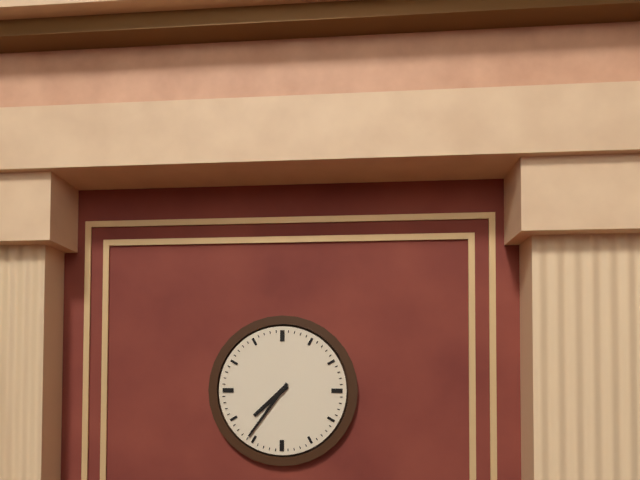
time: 7:36
